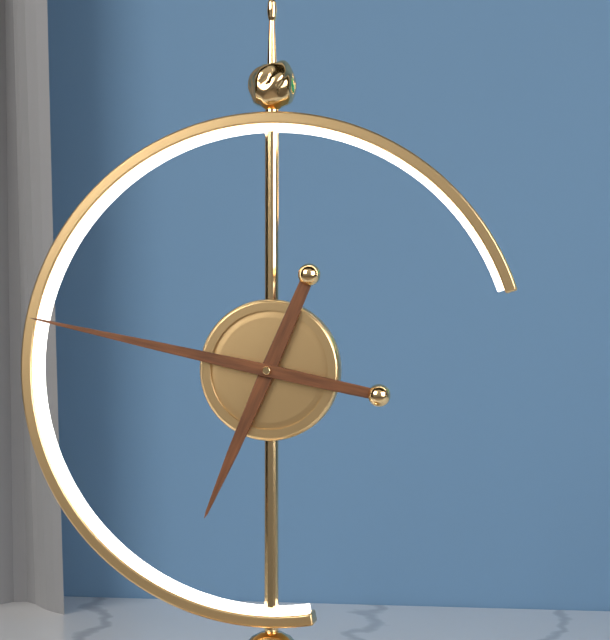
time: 6:47
